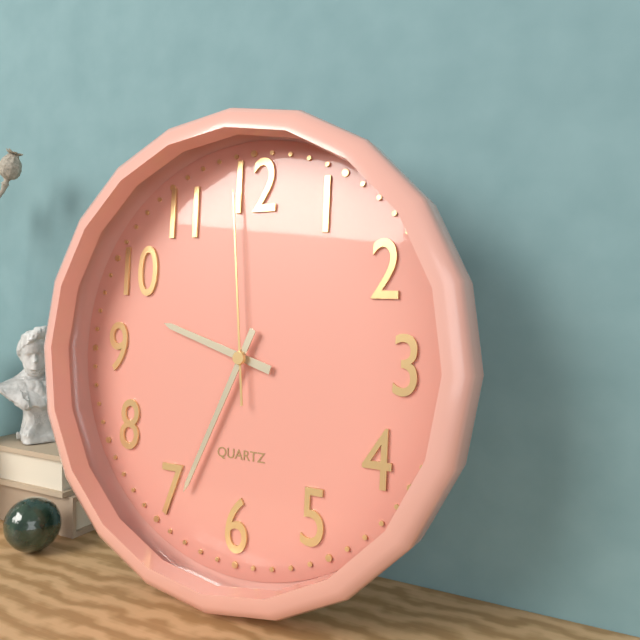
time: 9:34:59
